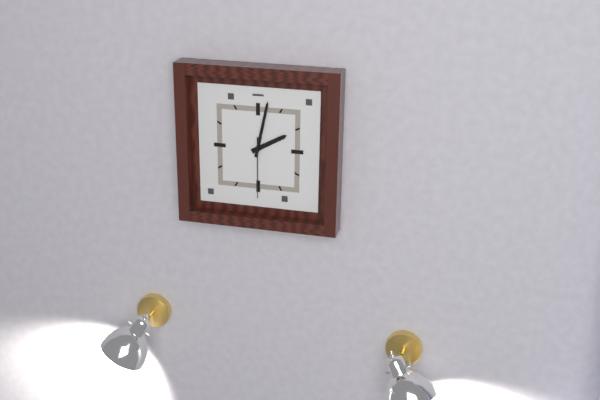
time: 2:02:30
